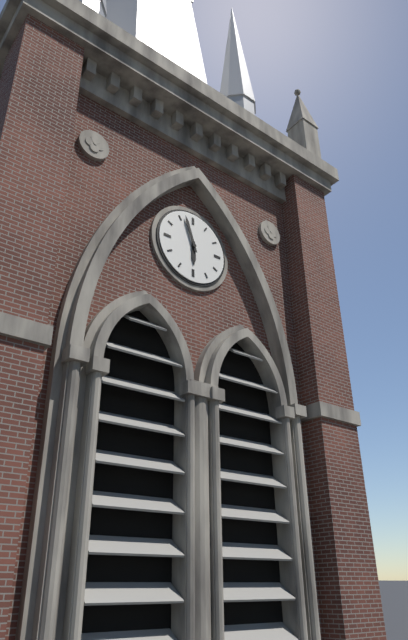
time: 5:57
